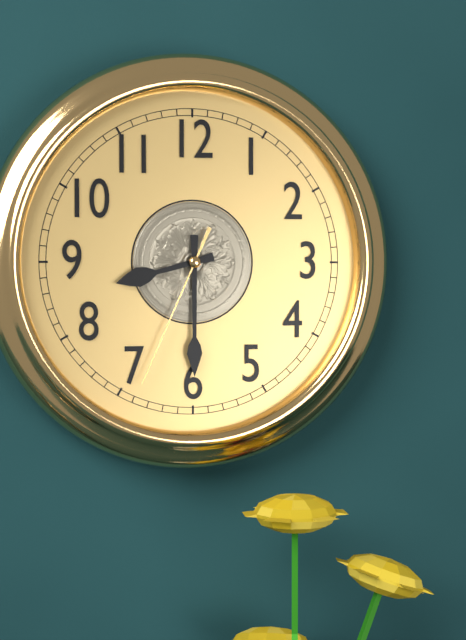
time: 8:30:34
